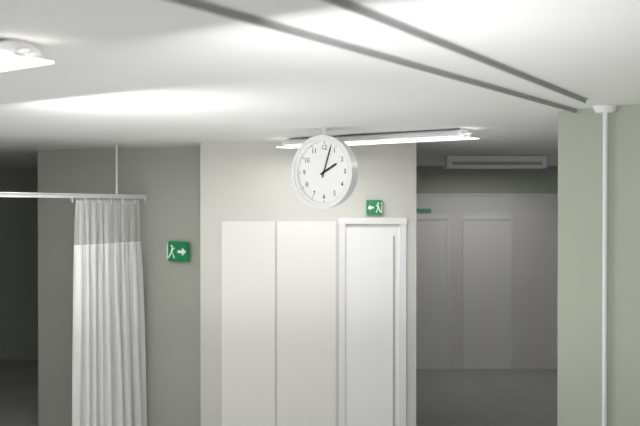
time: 2:03
